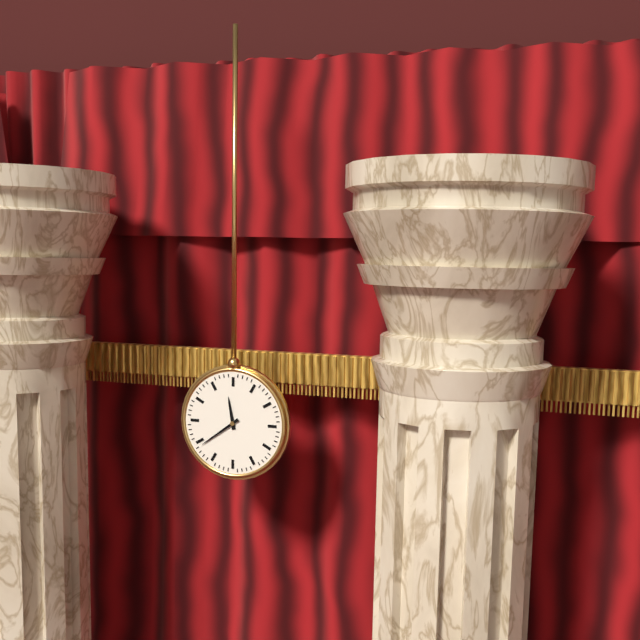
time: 11:39
